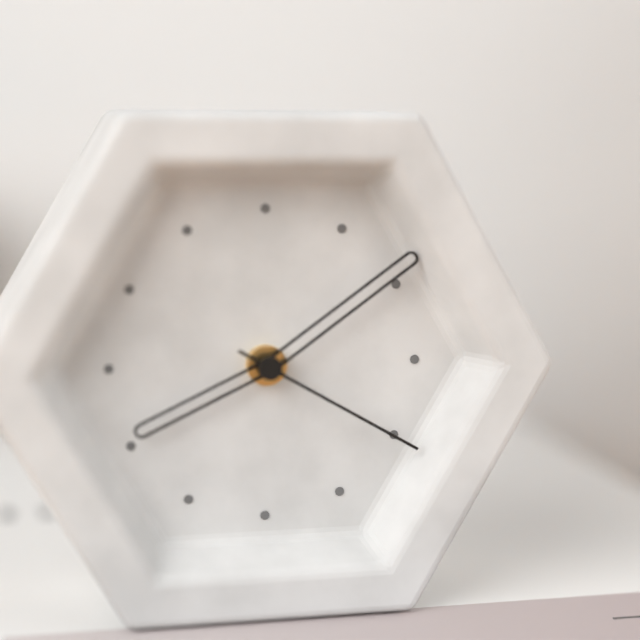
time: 8:09:20
